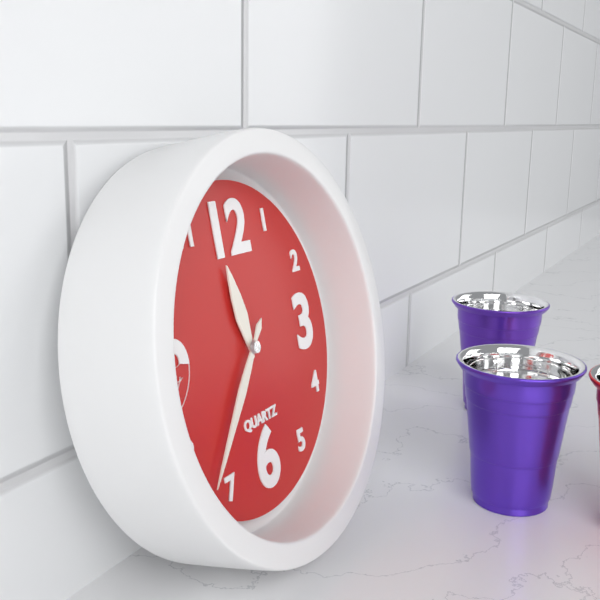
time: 11:37
